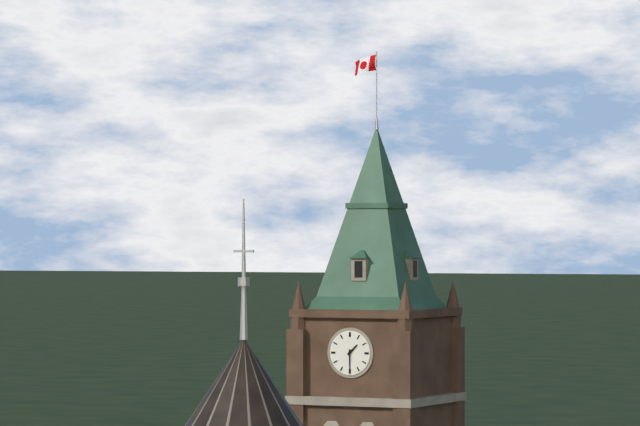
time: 1:30
